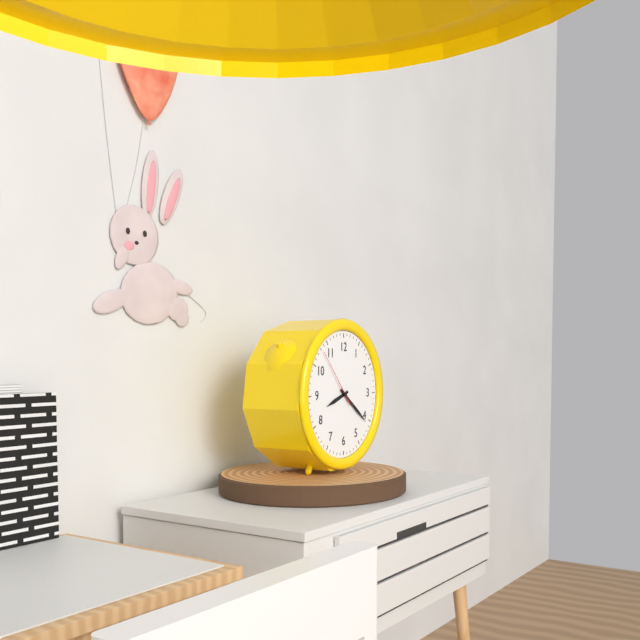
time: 8:21:53
